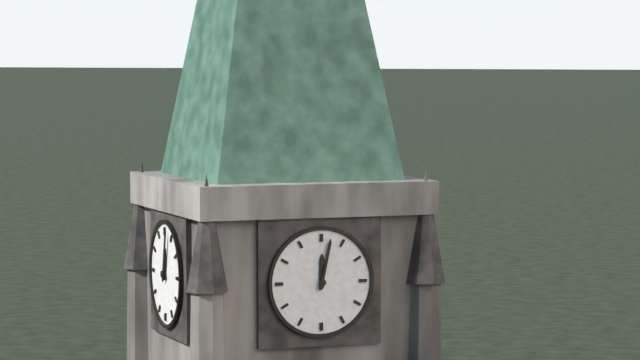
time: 12:02
